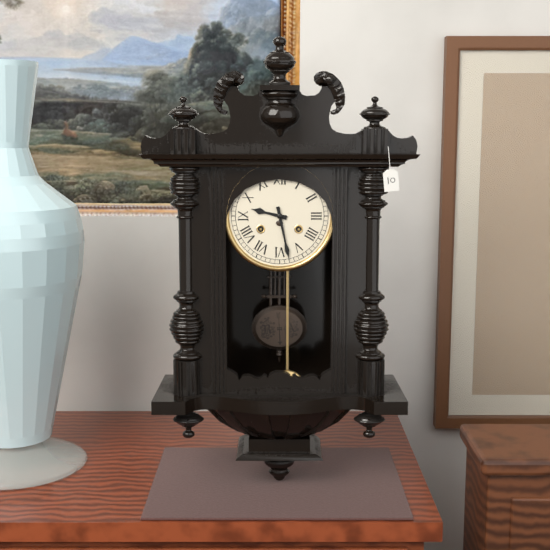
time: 9:28
